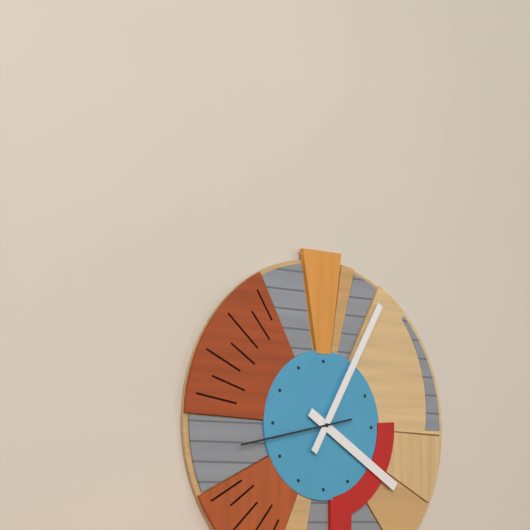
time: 4:05:43
